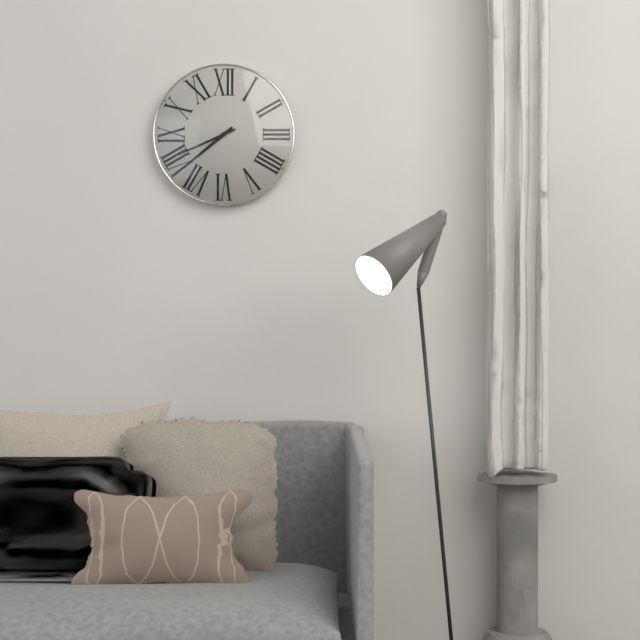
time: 7:41
